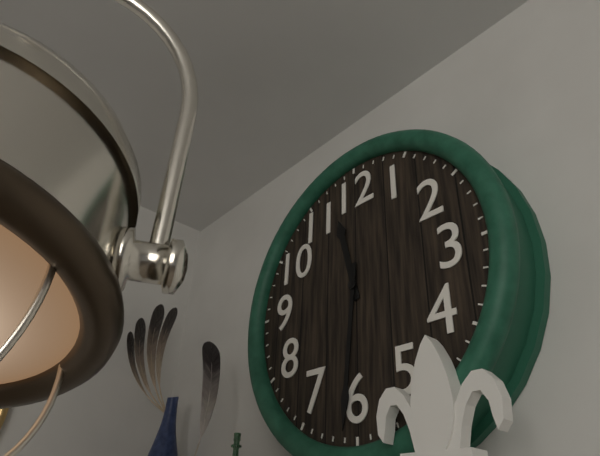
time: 11:31
